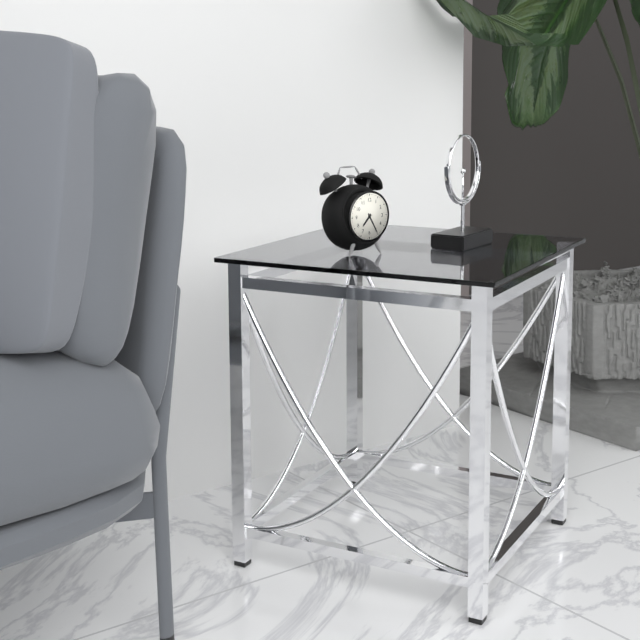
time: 7:25
